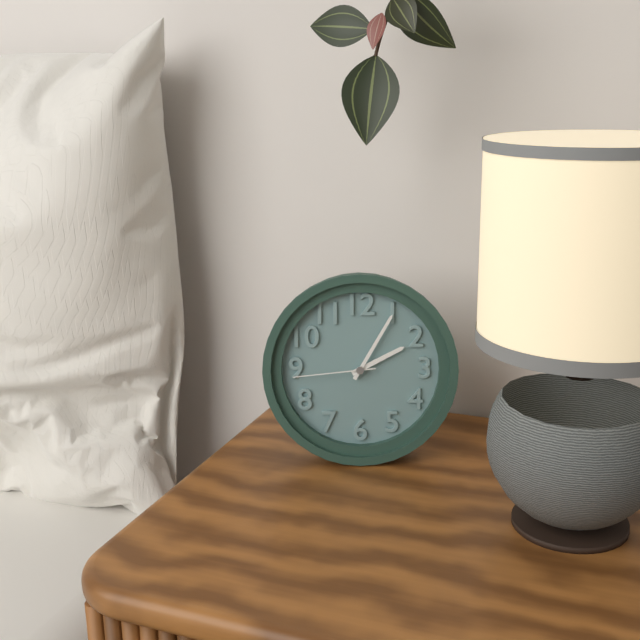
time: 2:05:44
